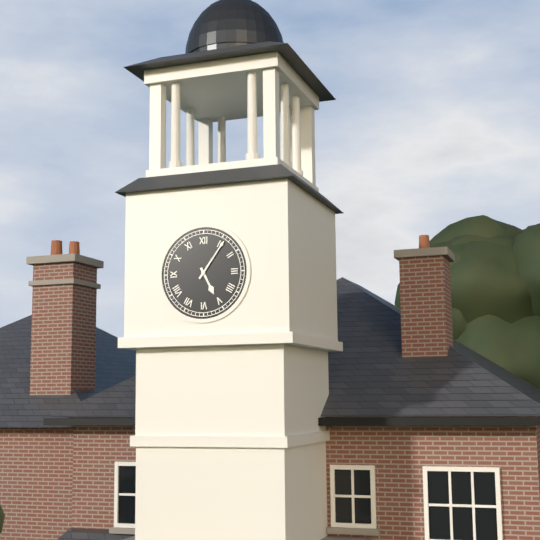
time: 5:06
